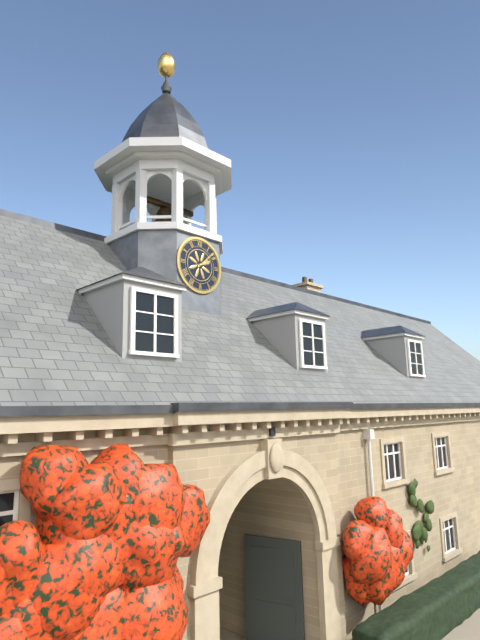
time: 2:08
